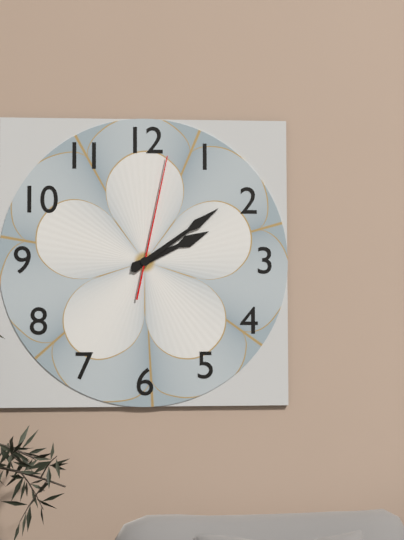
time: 2:09:02
